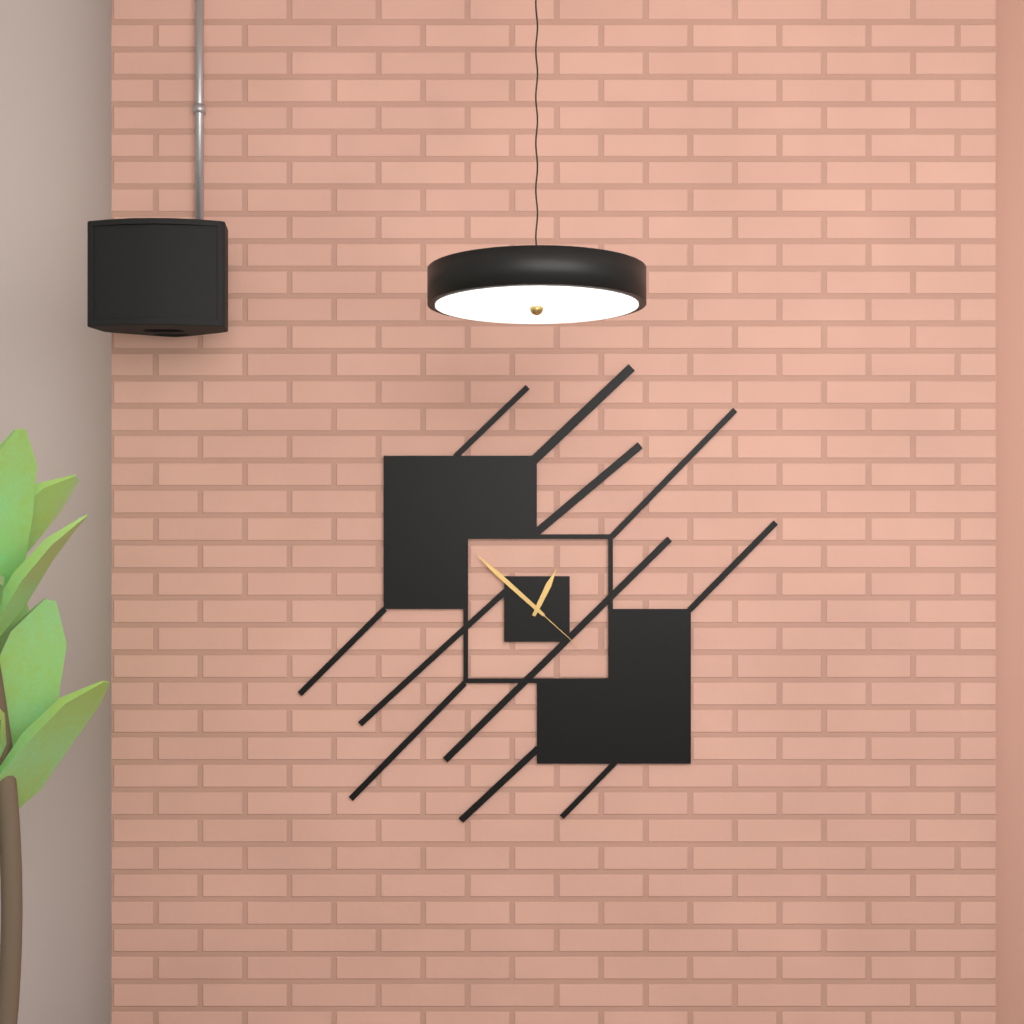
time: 12:52:22
